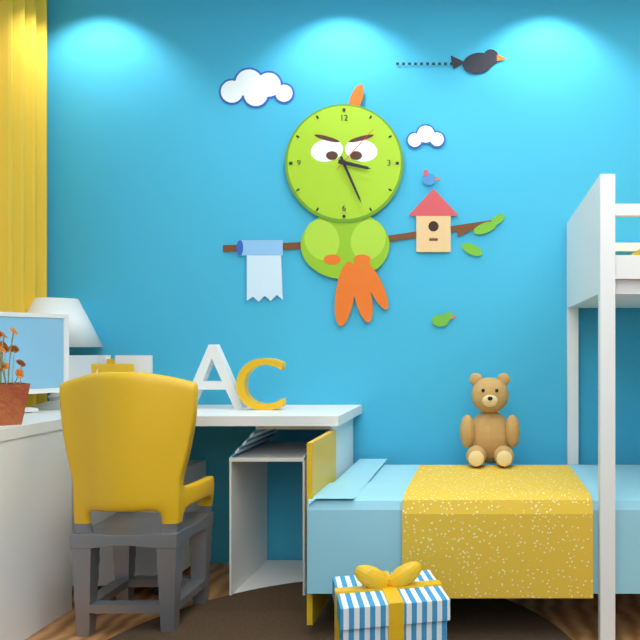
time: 3:26:07
